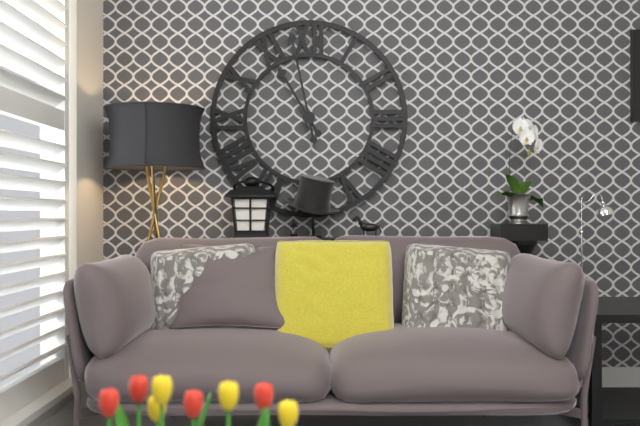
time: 10:58
